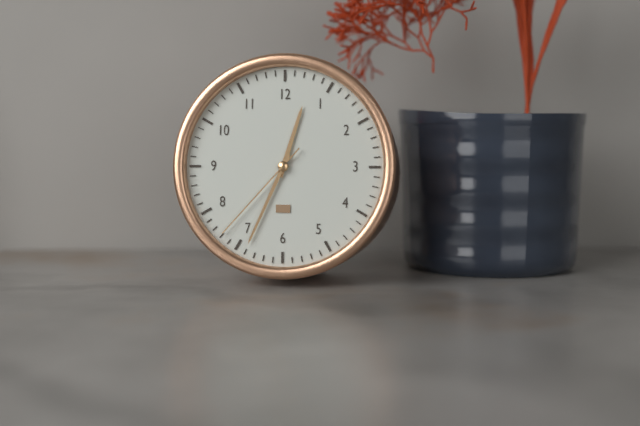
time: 12:34:37
